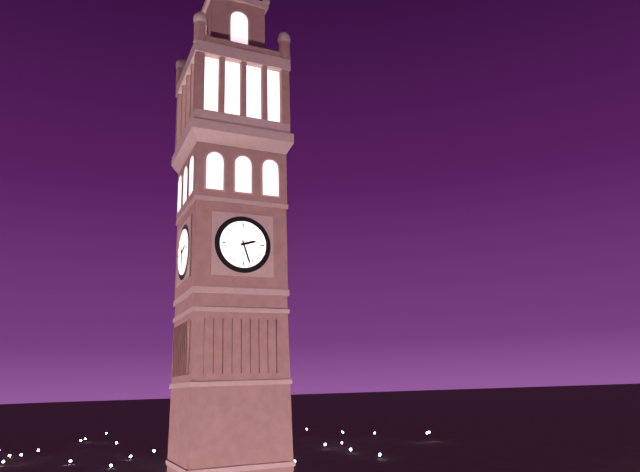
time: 2:27
